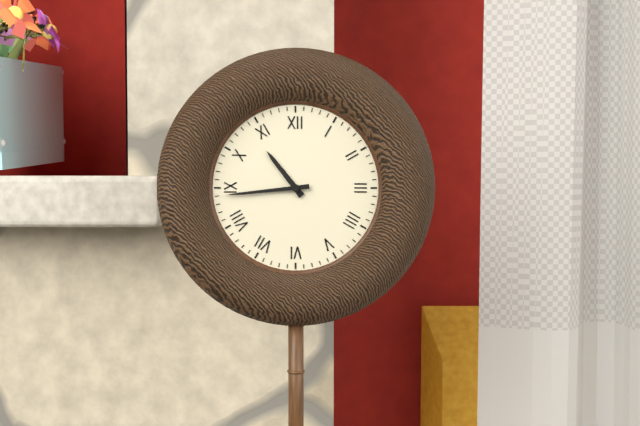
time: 10:44
